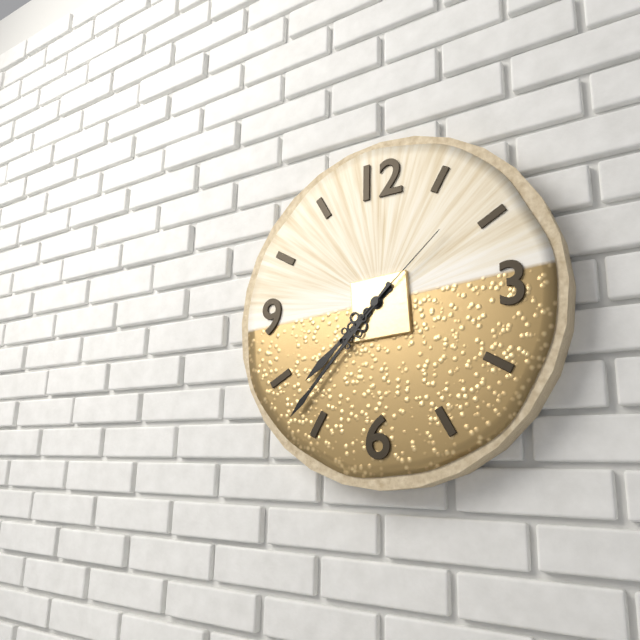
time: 7:37:08
